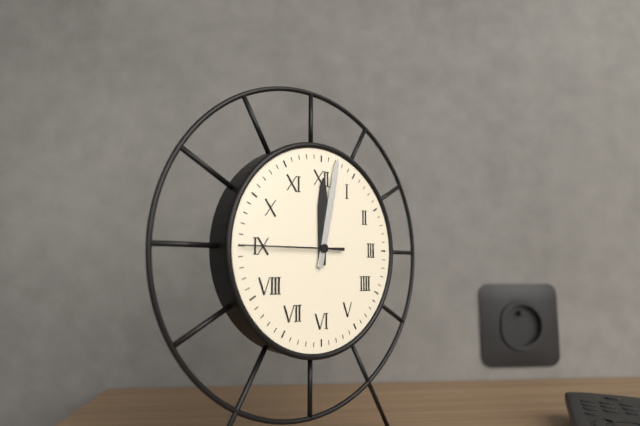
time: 12:02:45
